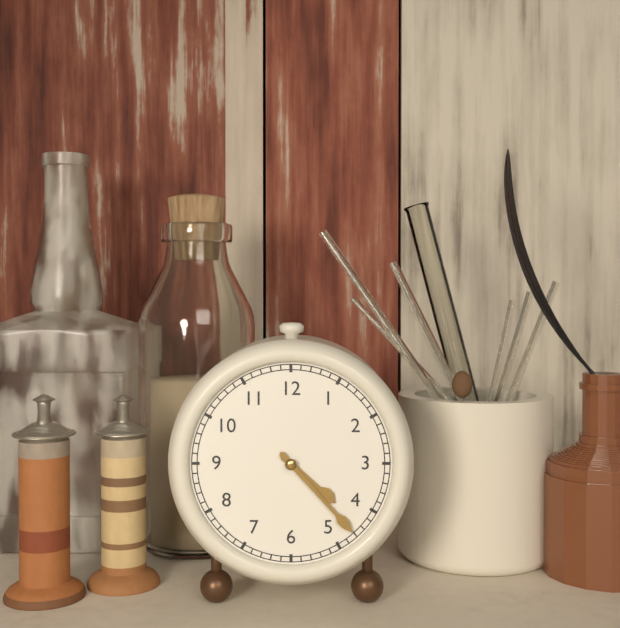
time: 4:23
